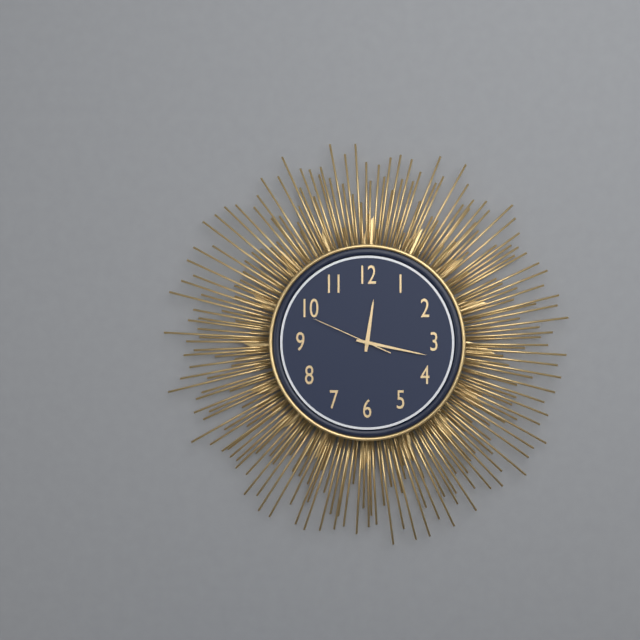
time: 12:17:49
